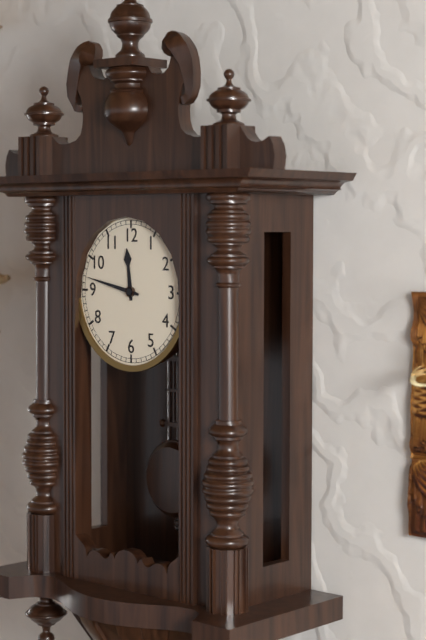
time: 11:47
